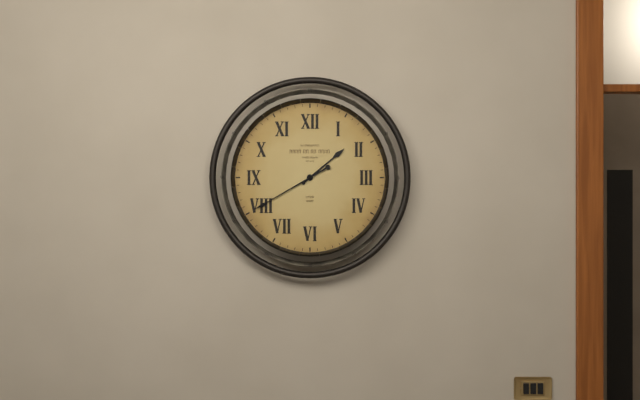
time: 1:40
